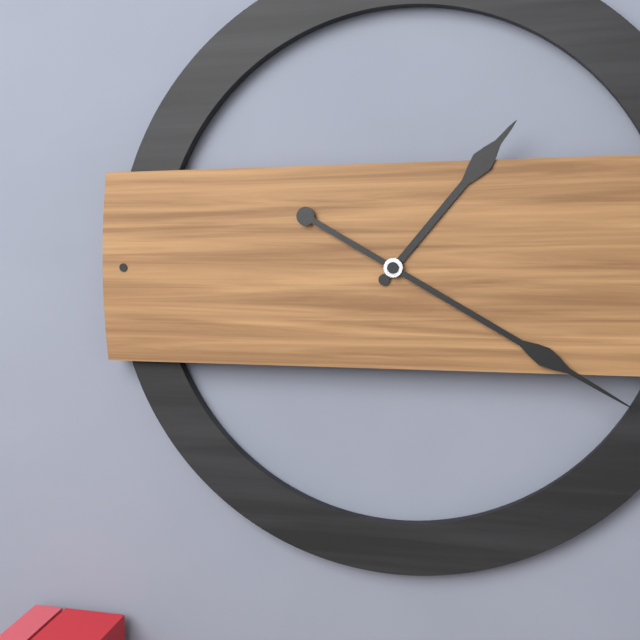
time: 1:20
